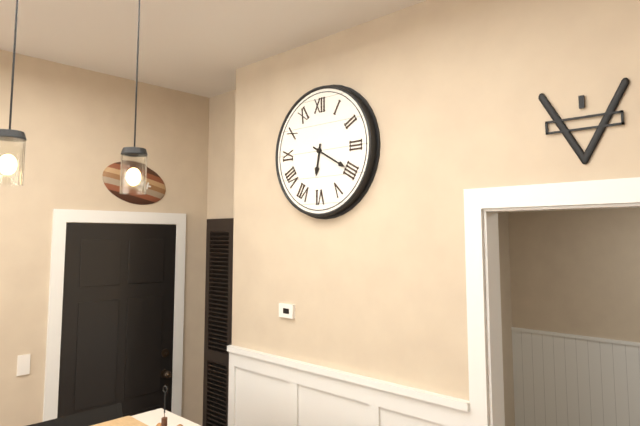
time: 6:20
